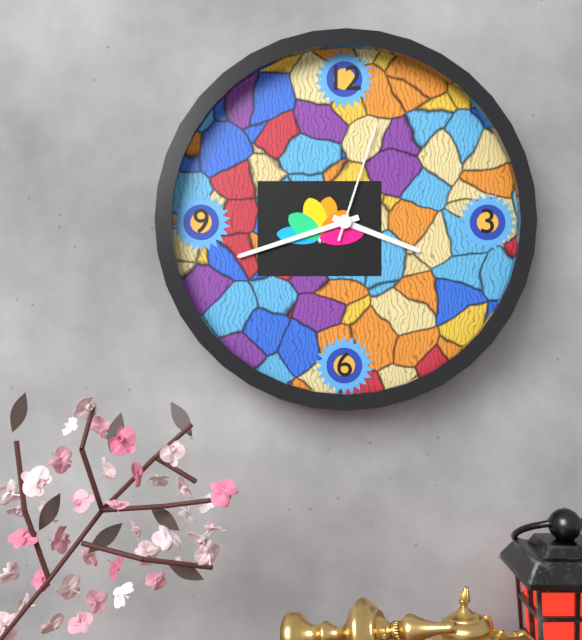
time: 3:42:03
